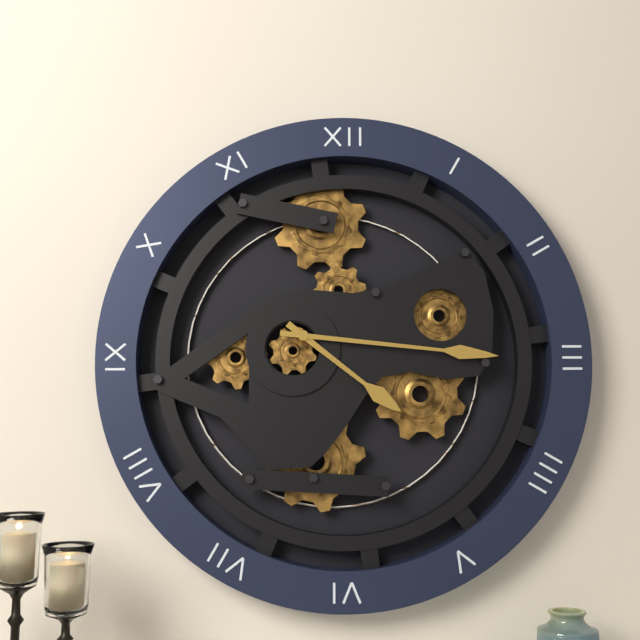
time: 4:16
